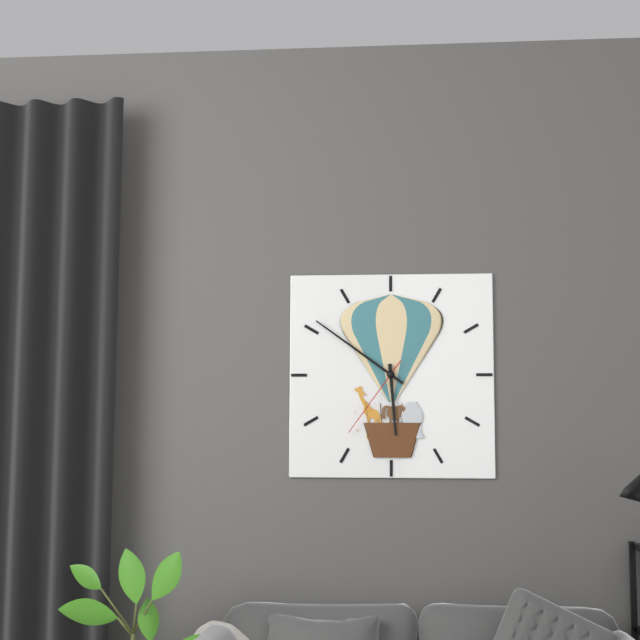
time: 5:51:36
